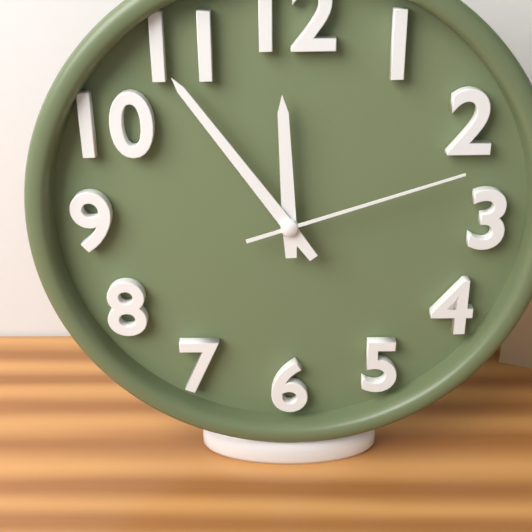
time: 11:54:12
